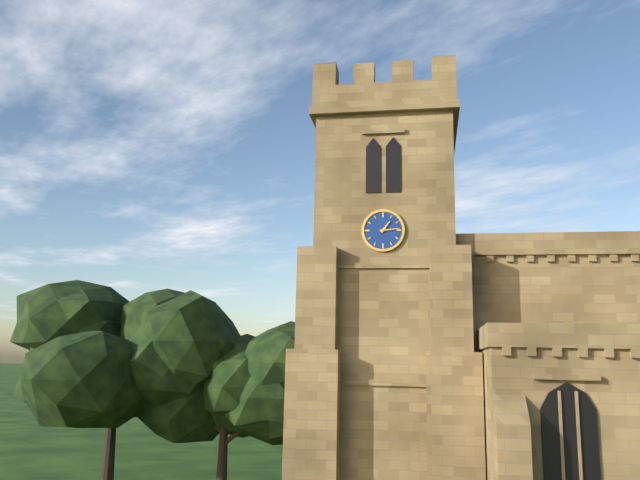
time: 1:14
